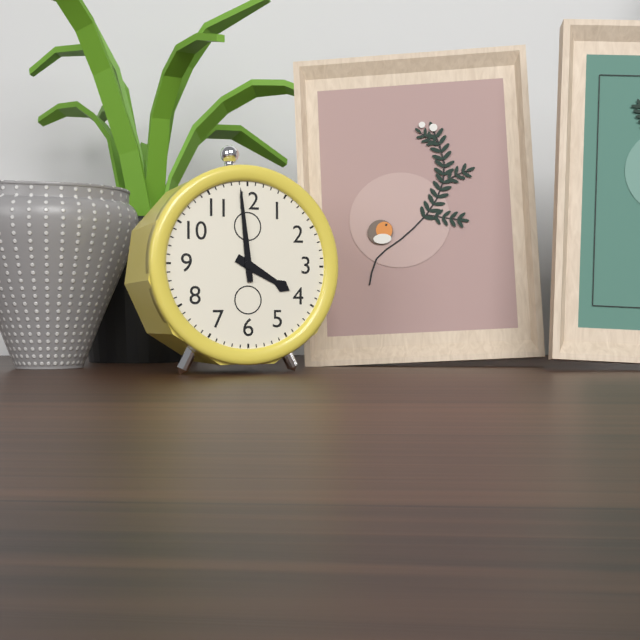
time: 3:59
